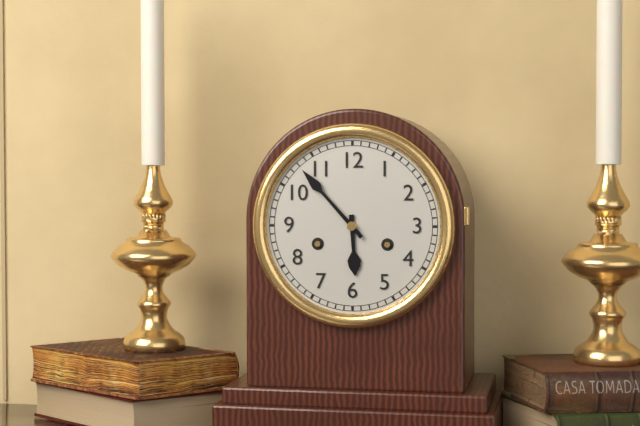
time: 5:53
